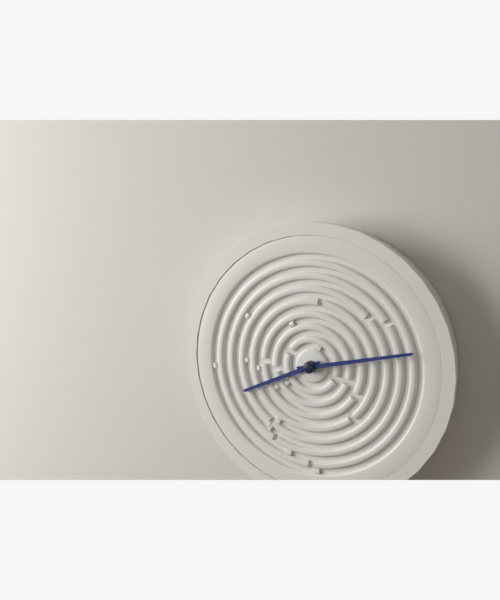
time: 8:13
